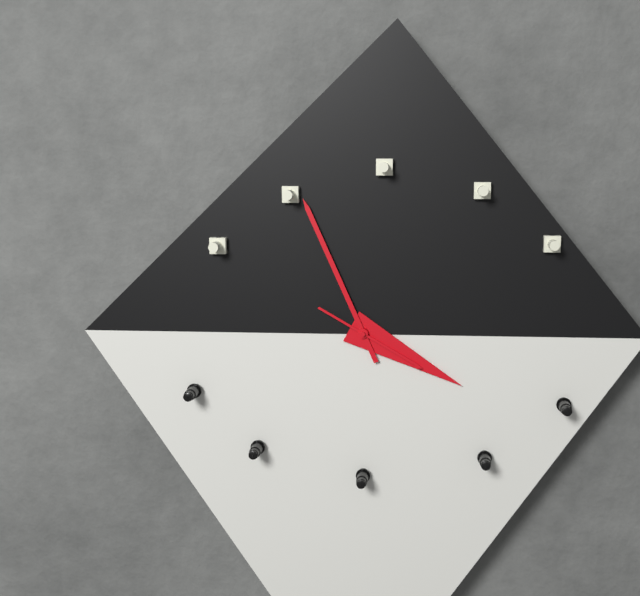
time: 3:56:20
